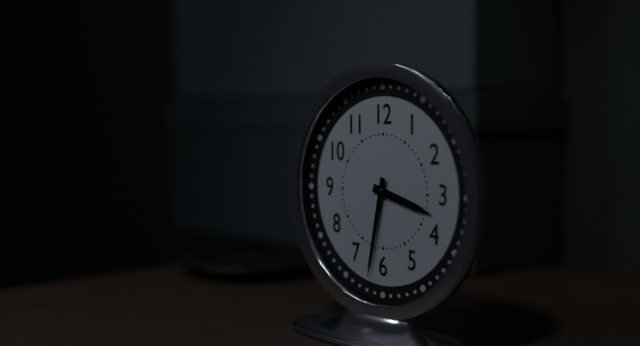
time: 3:32
